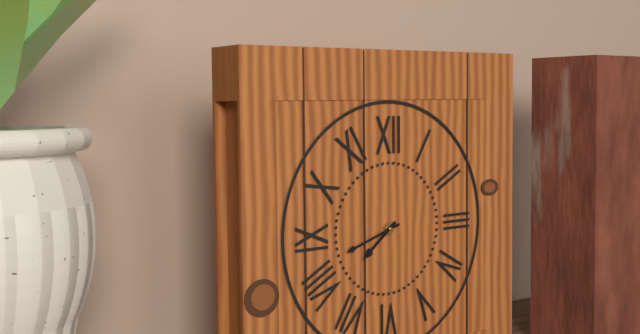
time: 7:42
